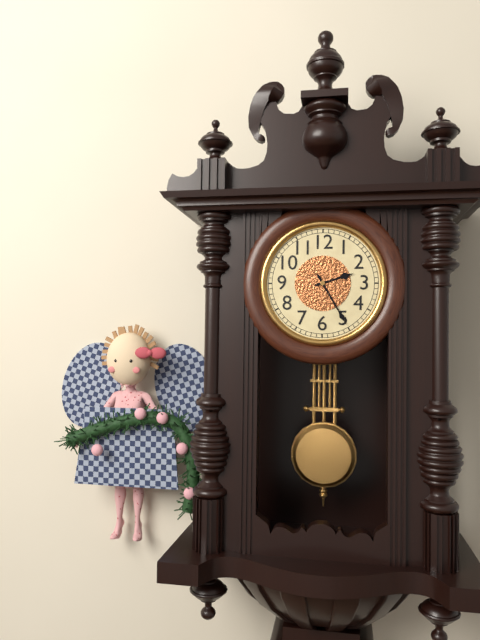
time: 2:25
